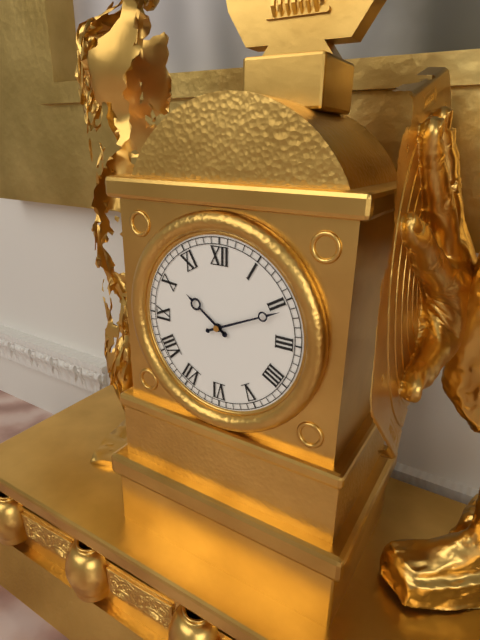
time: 10:11
